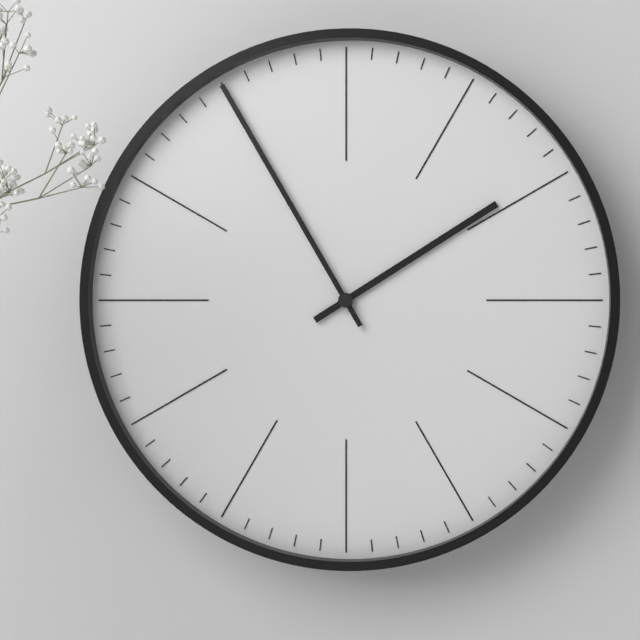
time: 1:55
